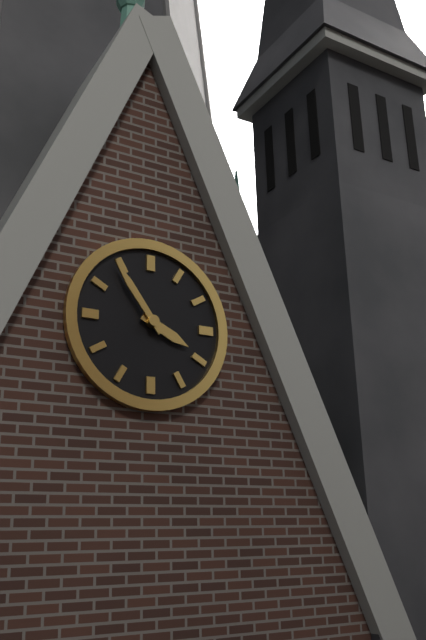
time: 3:54
